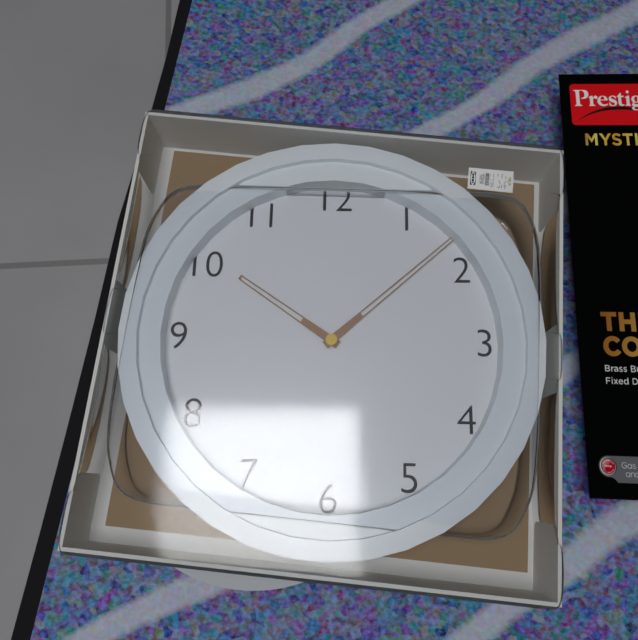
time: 10:08
